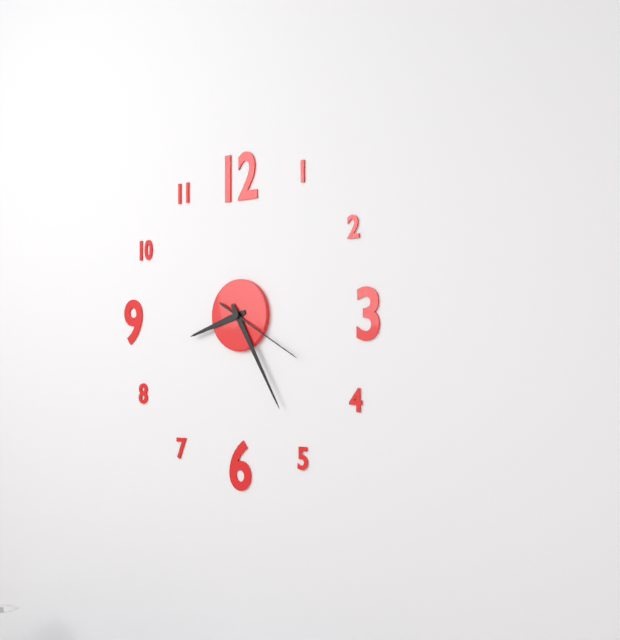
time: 8:25:20
